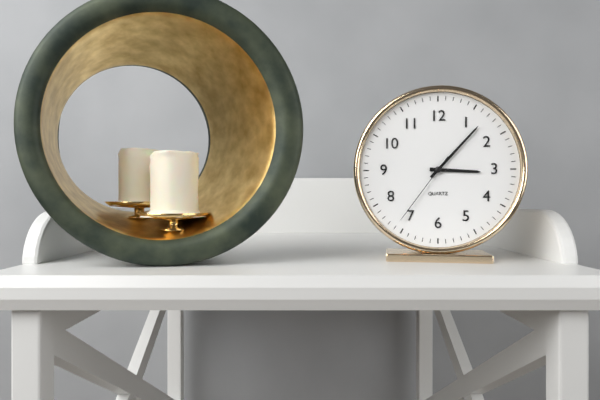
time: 3:07:36
